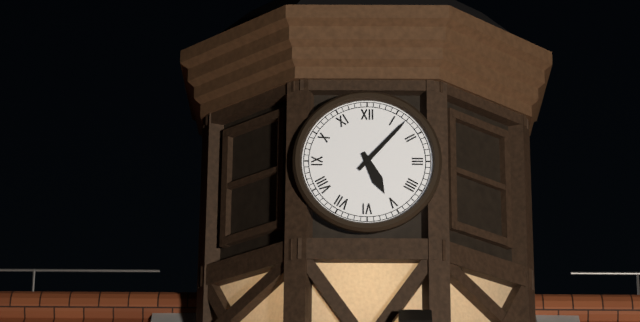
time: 5:07
